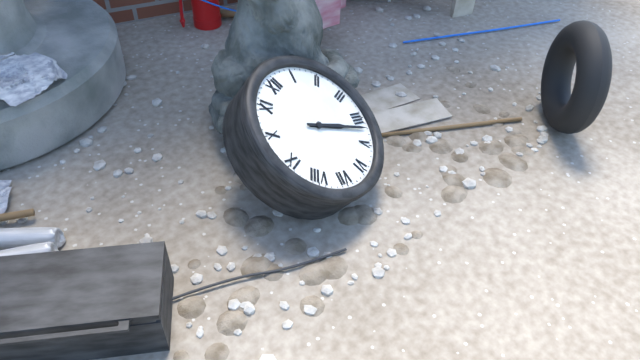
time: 4:22
